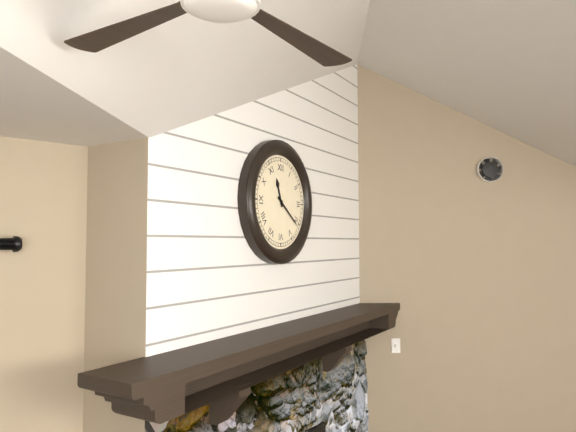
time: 11:21
